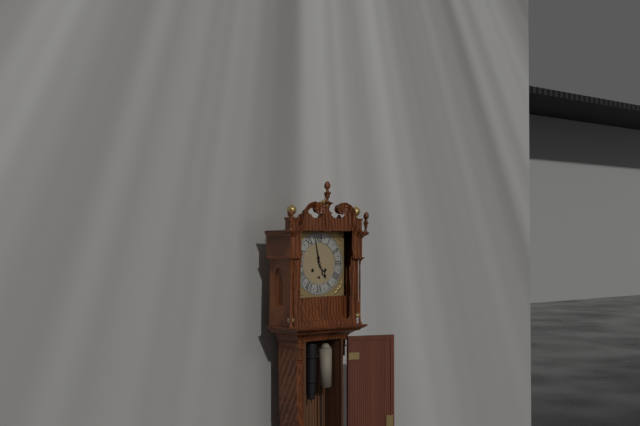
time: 4:58
